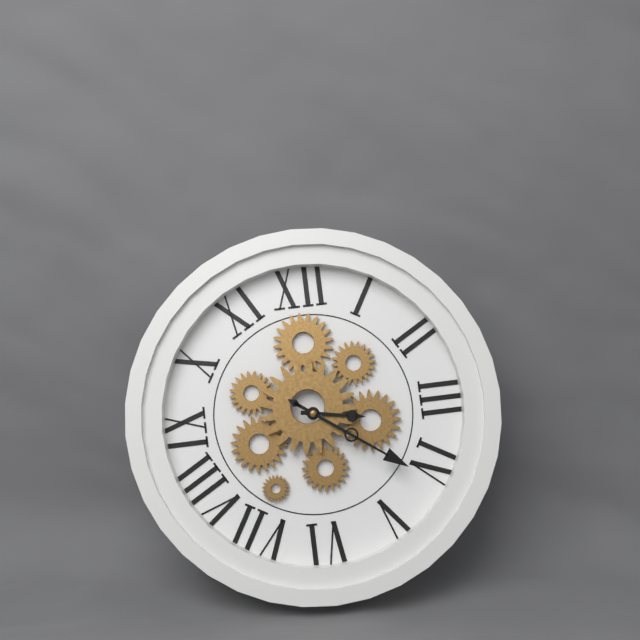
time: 3:21
